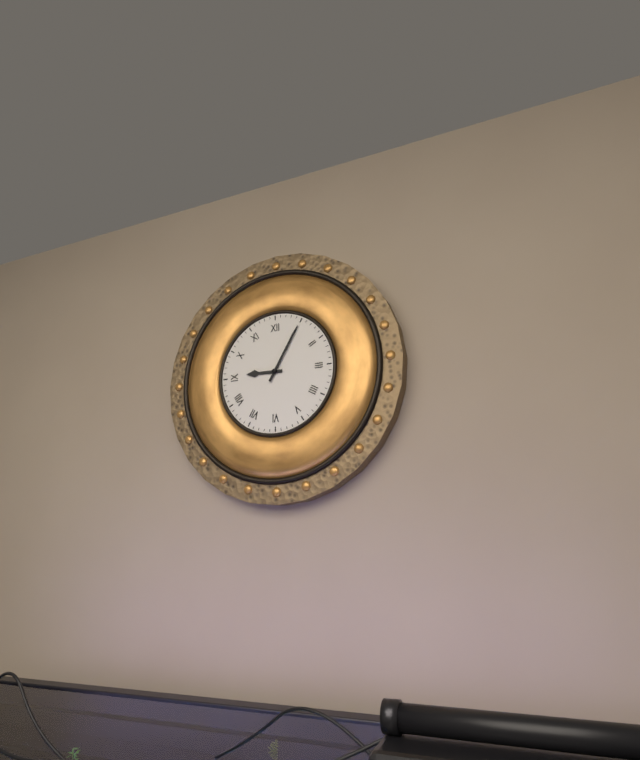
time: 9:05
